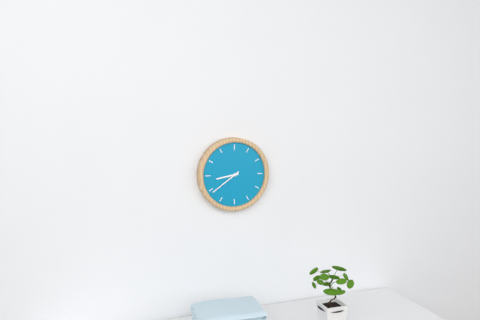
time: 8:39
